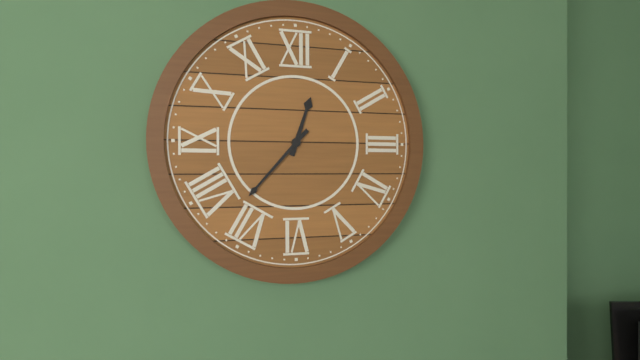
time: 12:37
